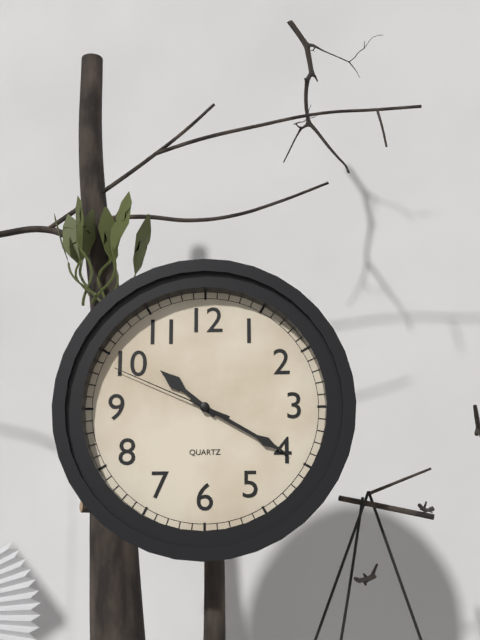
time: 10:20:49
